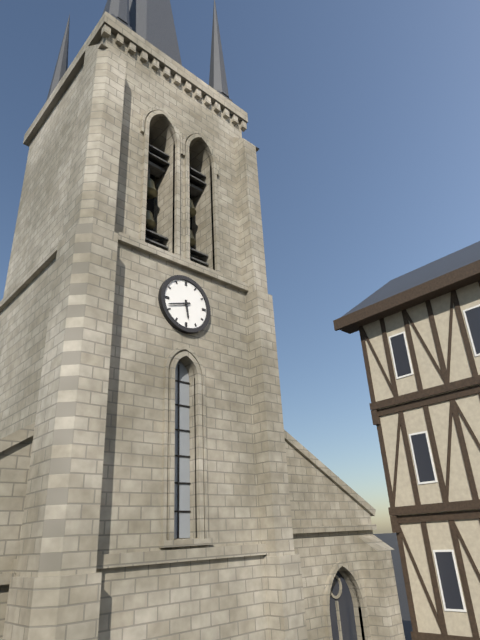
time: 5:42
